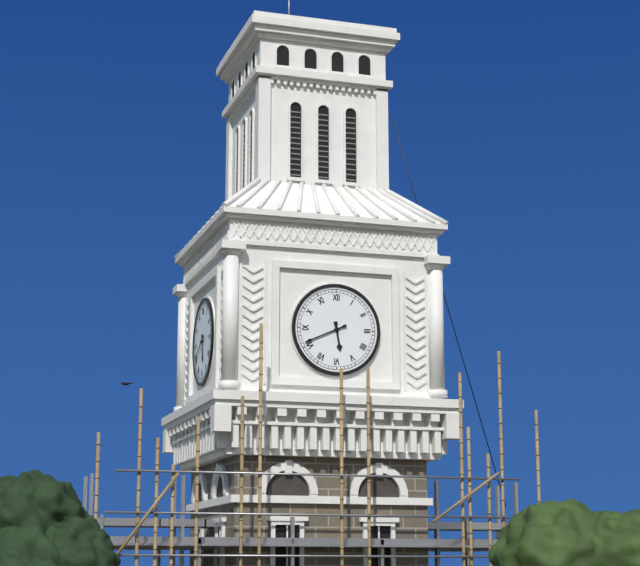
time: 5:41
